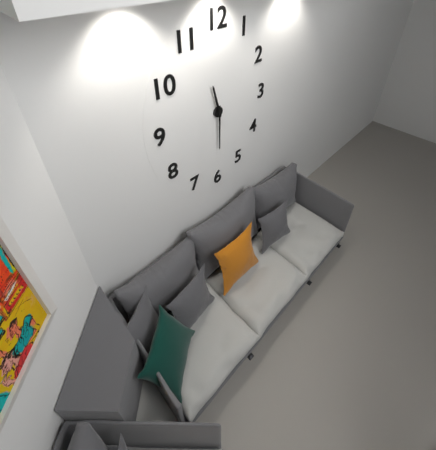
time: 11:30
